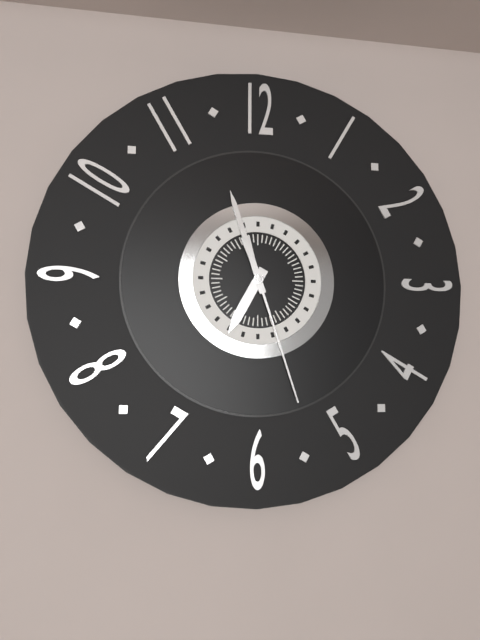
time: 6:57:27
